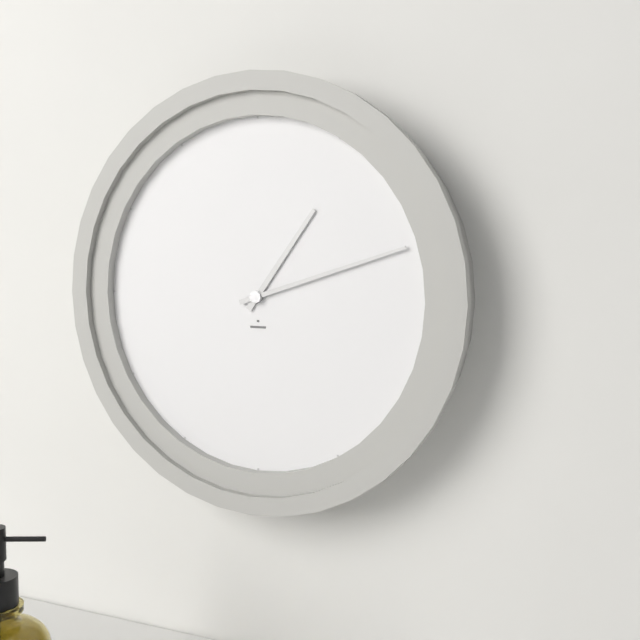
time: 1:12
